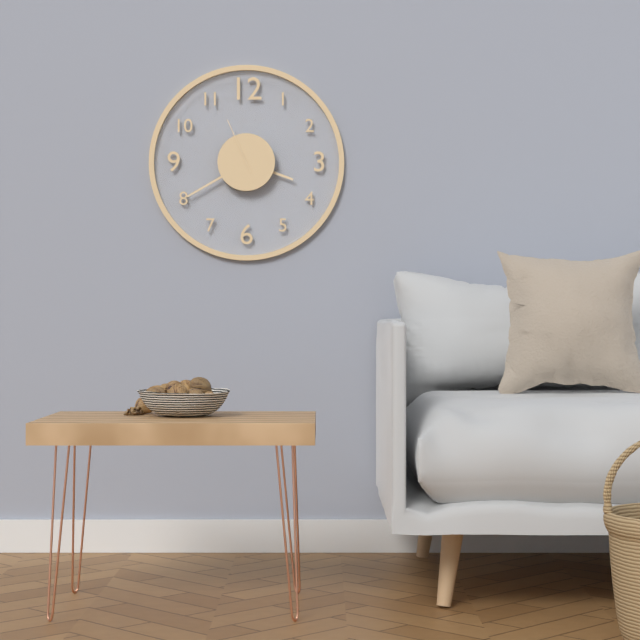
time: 3:40:56
